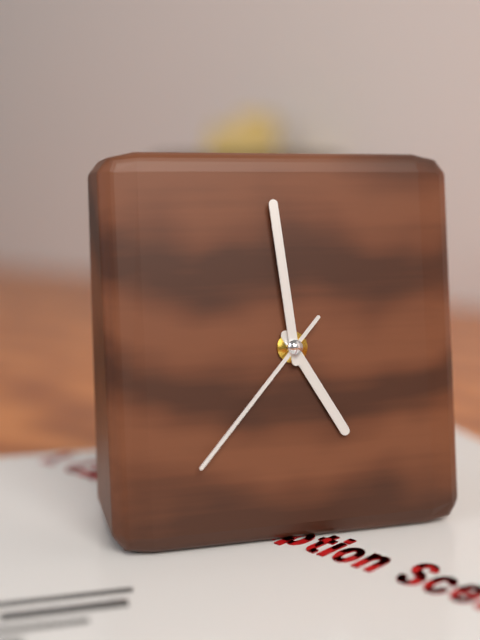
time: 4:59:37
